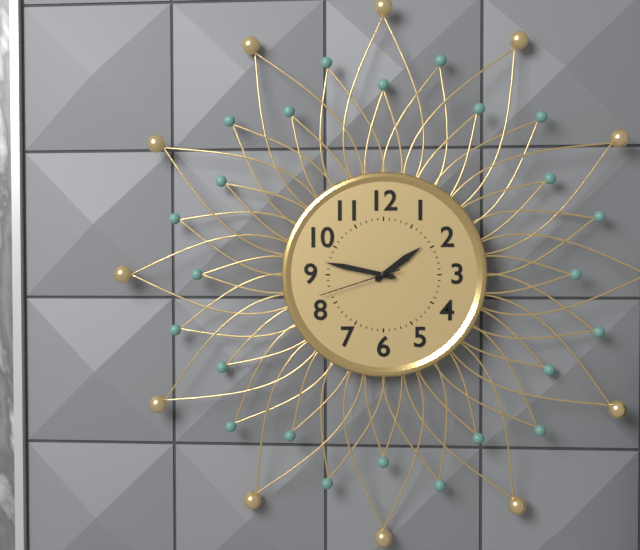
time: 1:47:42
